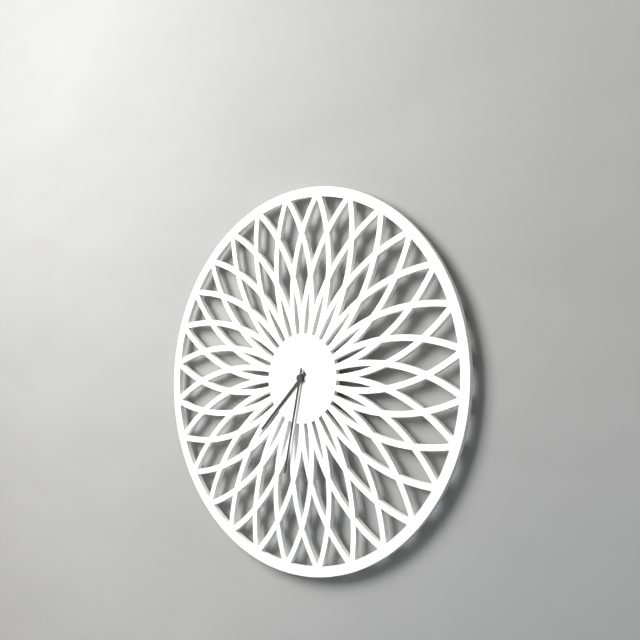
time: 7:32
